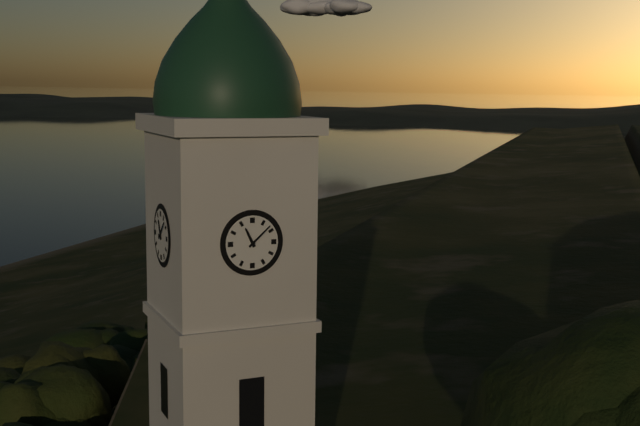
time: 11:08
